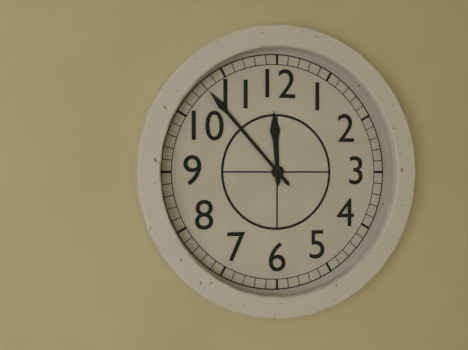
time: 11:53
